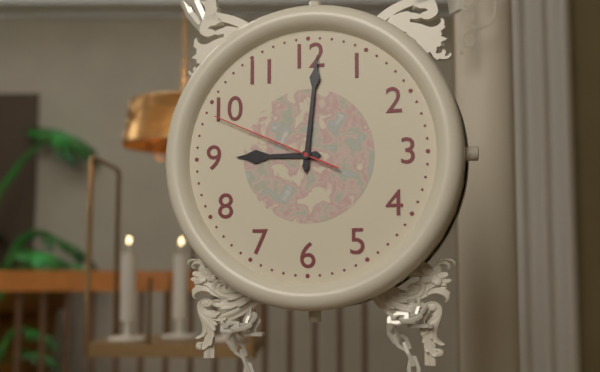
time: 9:01:49
